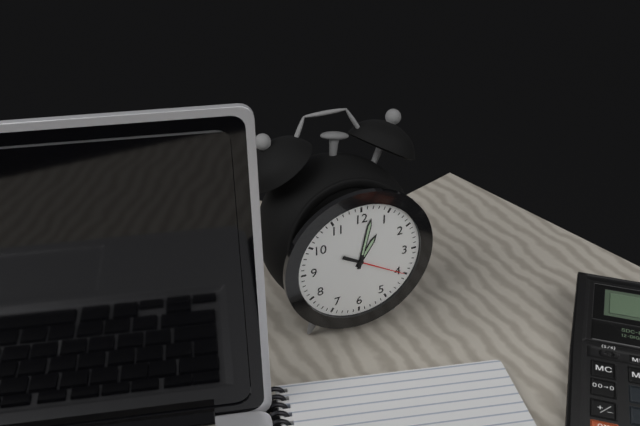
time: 1:02:20
